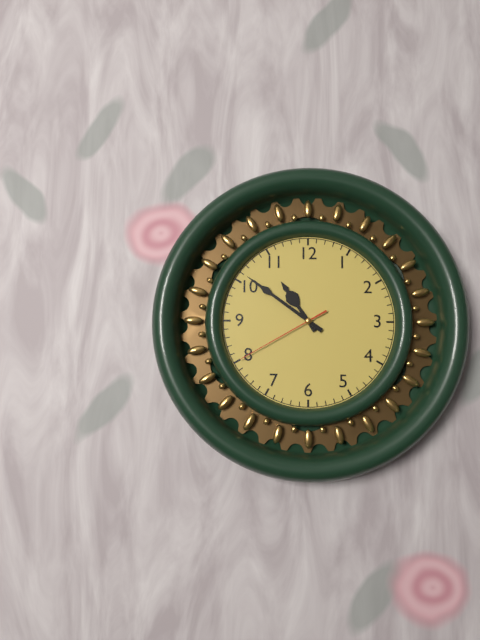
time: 10:51:40
